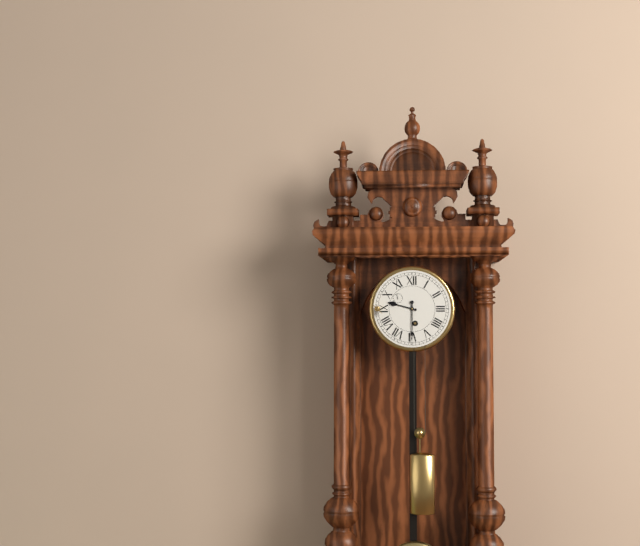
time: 9:30
